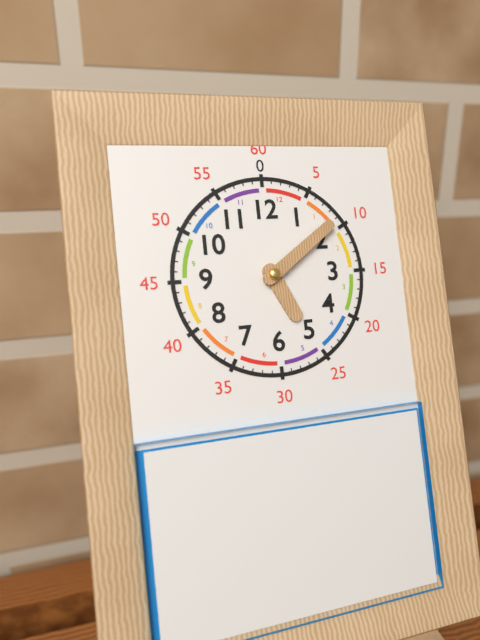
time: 5:09
